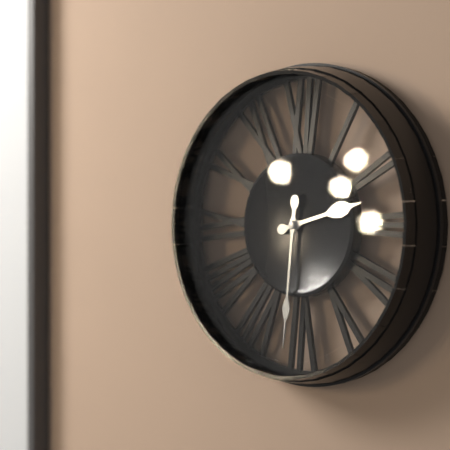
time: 2:31
